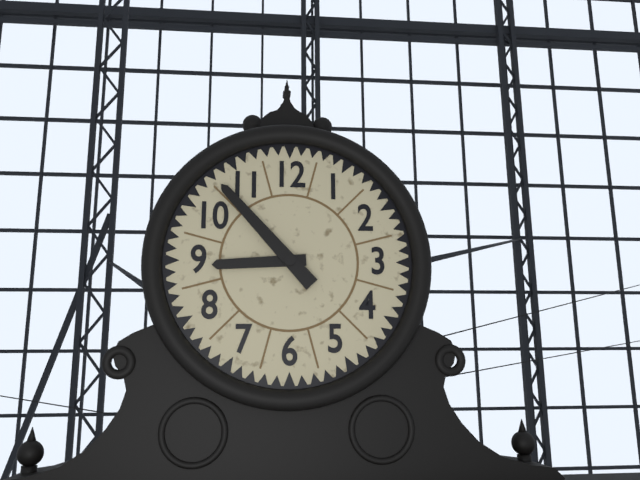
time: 8:53
